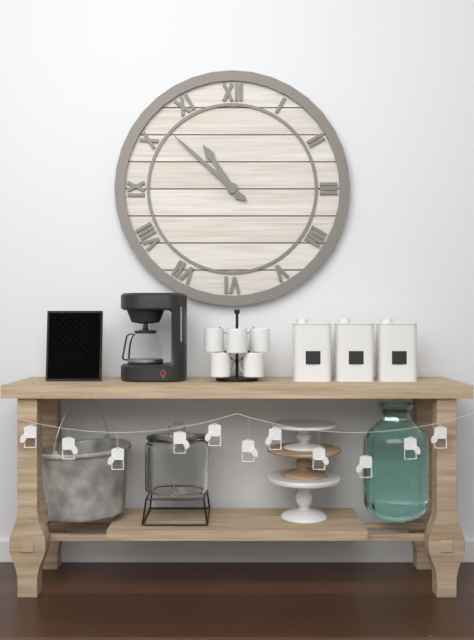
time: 10:52
